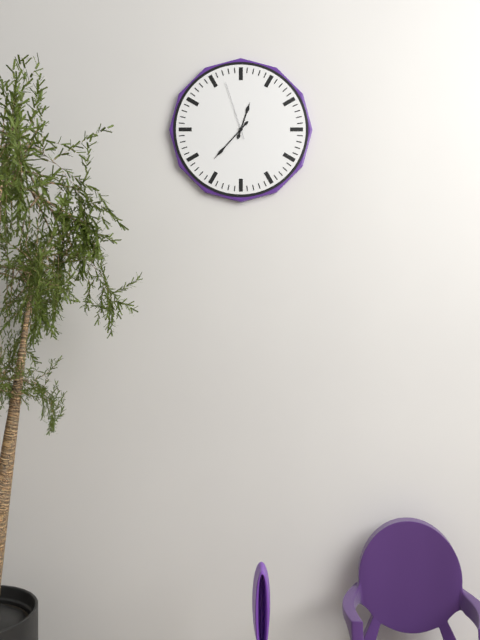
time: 12:37:57
